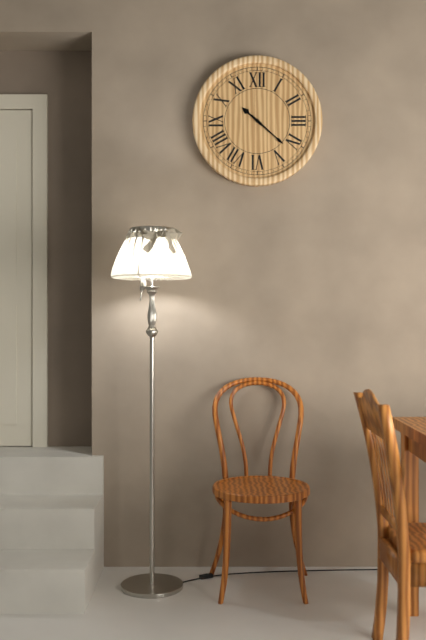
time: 10:22
